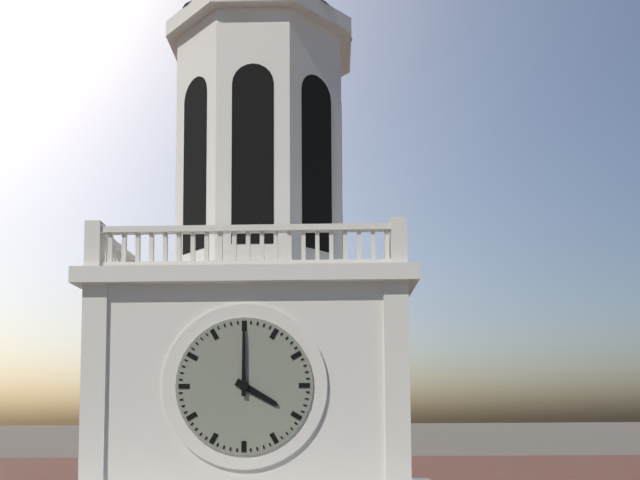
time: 4:00
